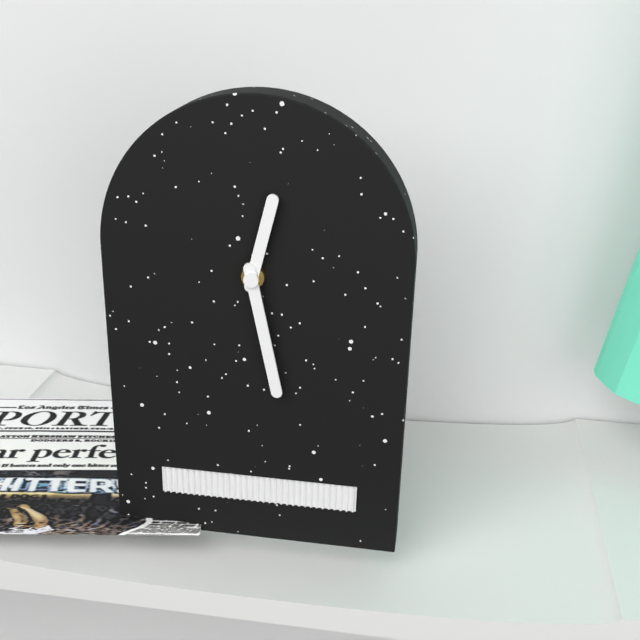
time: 12:28
